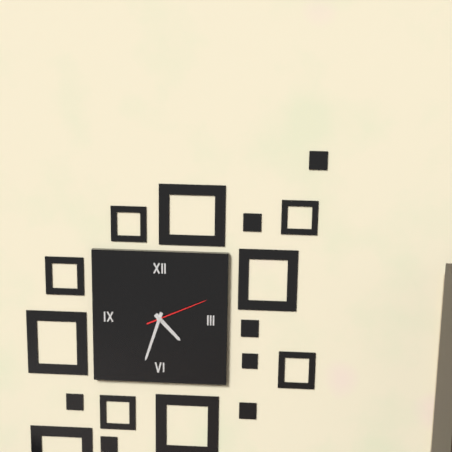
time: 4:33:11
